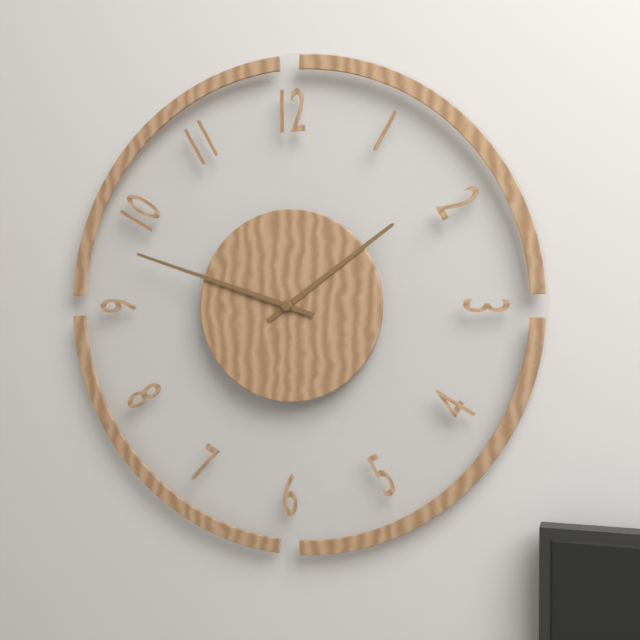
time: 1:48
